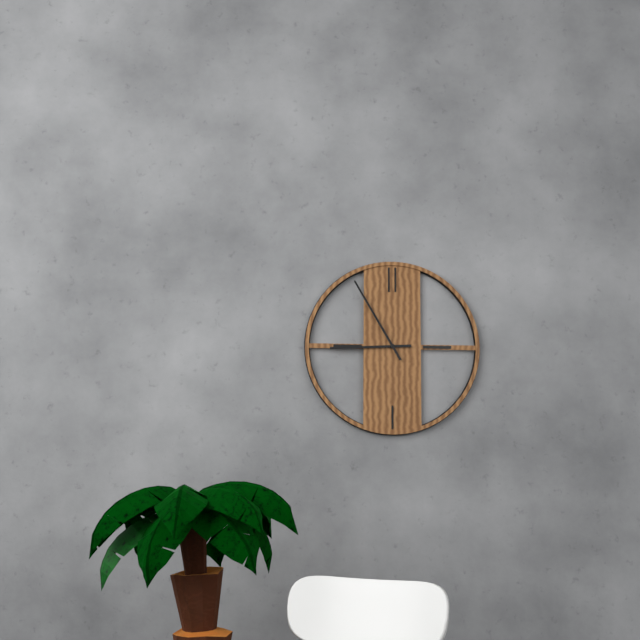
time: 8:55
